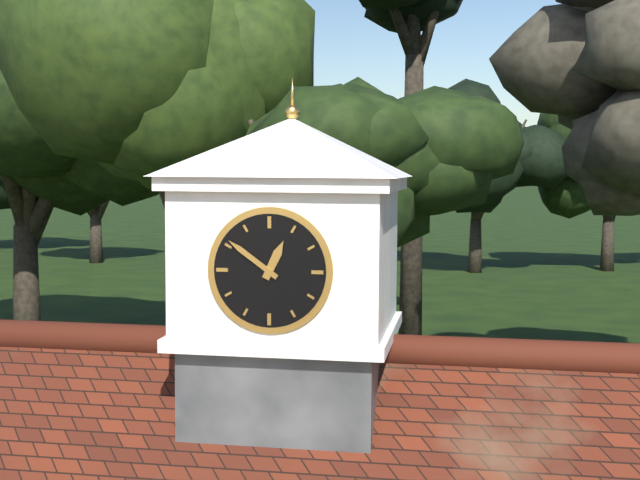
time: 12:51
